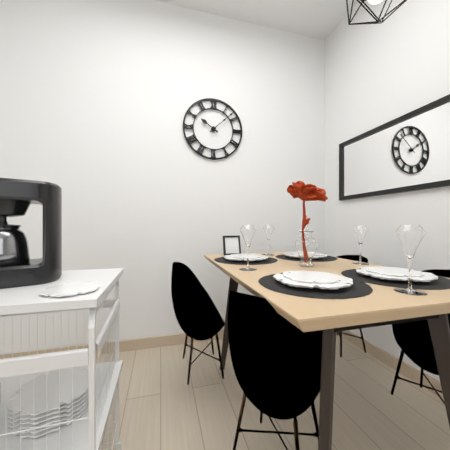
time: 10:08
